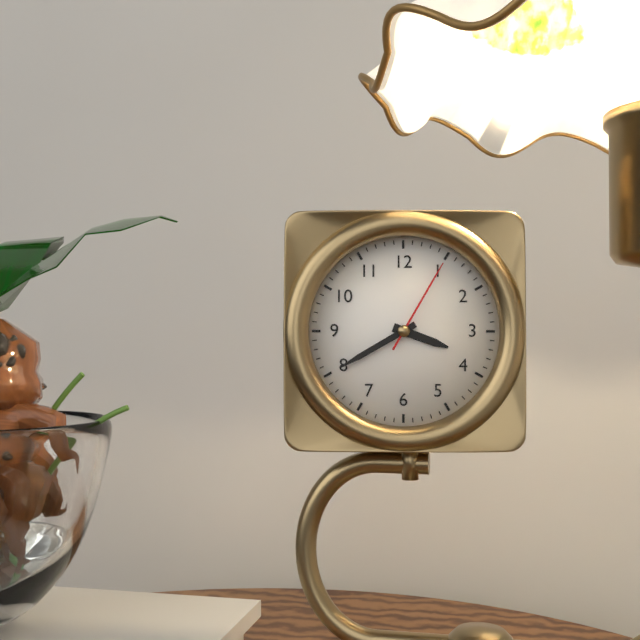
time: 3:40:05
